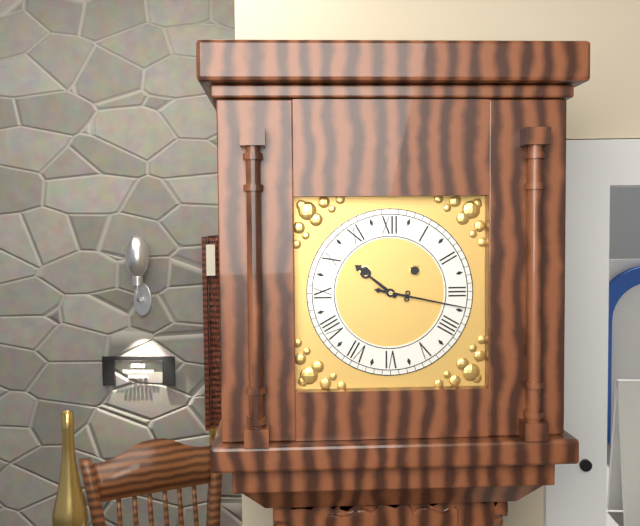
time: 10:17
